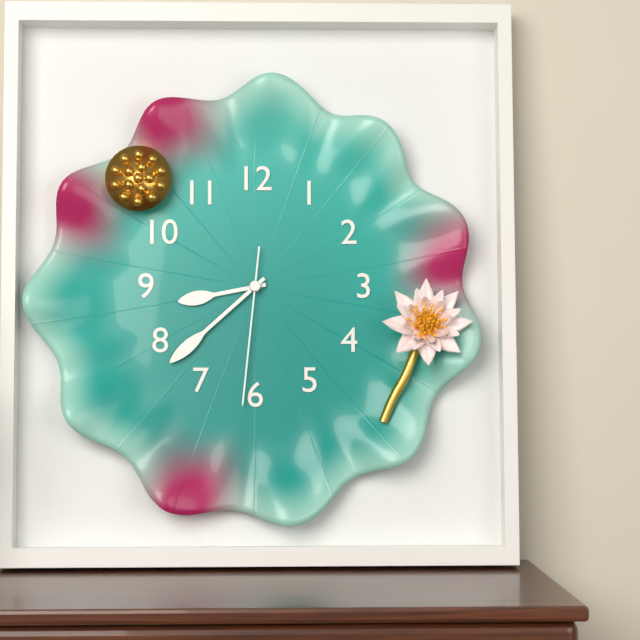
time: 8:38:31
